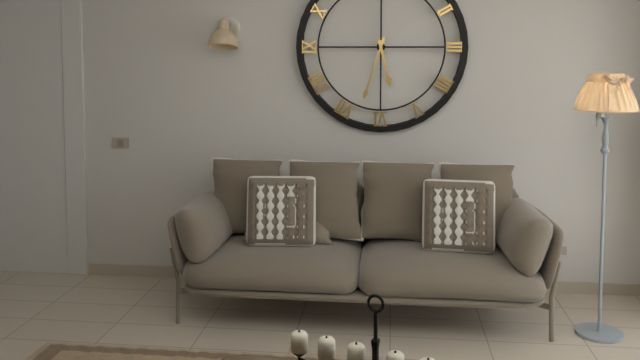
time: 5:33
